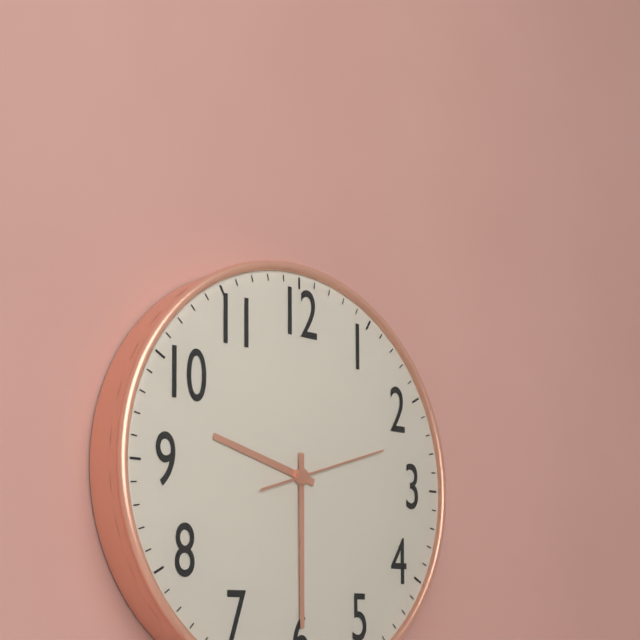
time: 9:30:12
